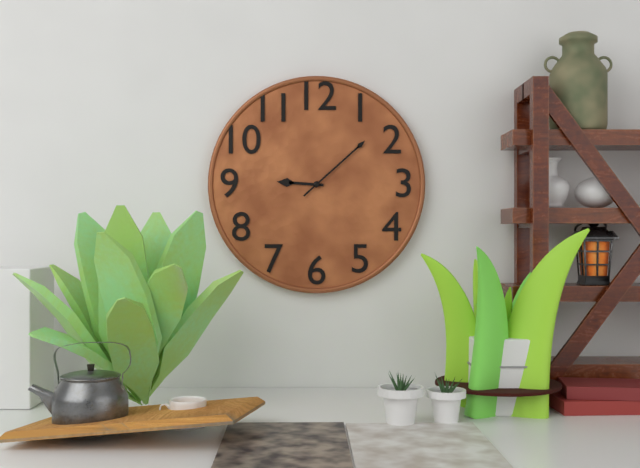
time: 9:08
